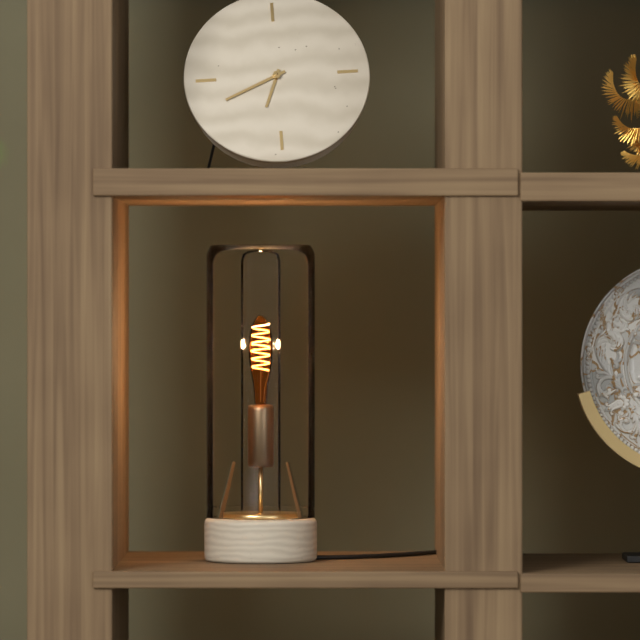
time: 6:41
